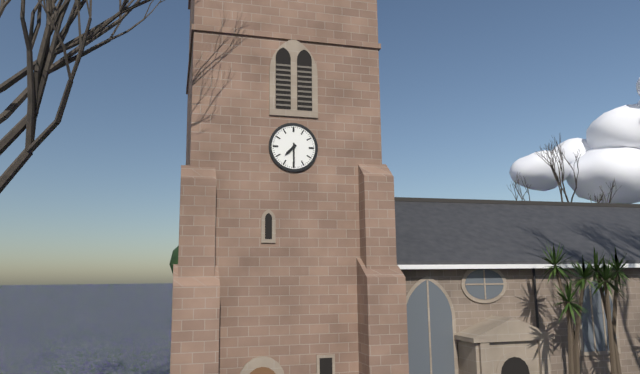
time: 7:30
